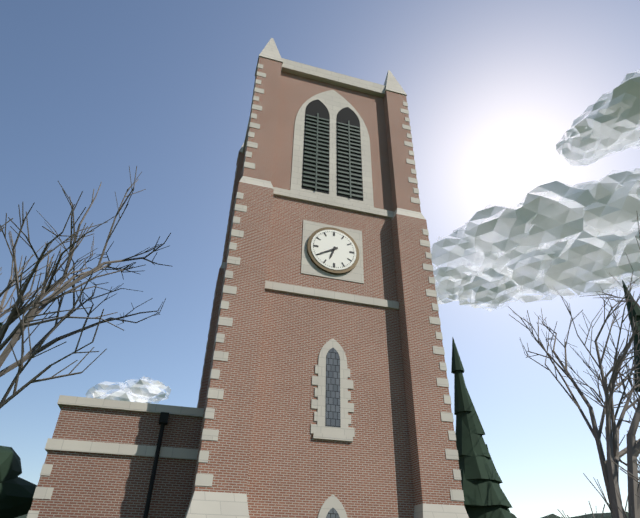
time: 6:40
